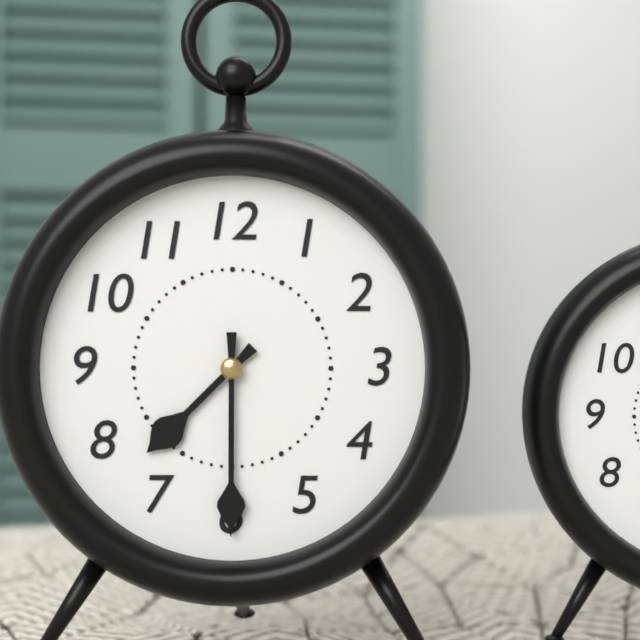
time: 7:30
